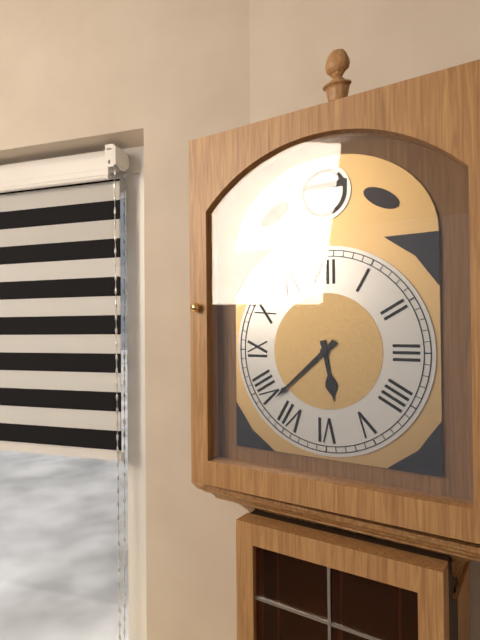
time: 5:38
